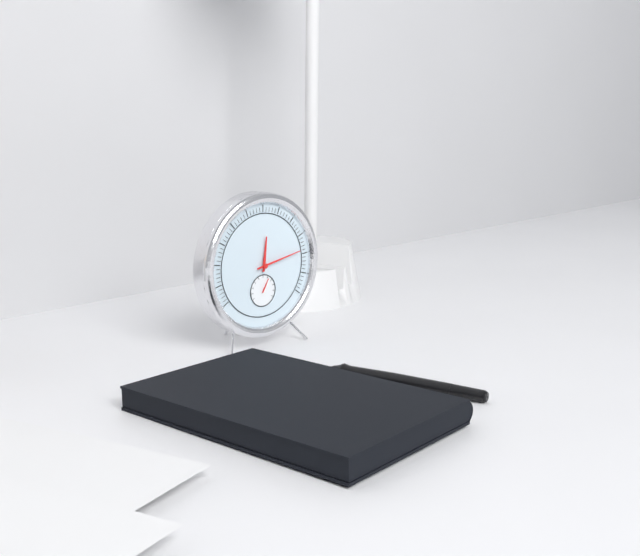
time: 12:13
